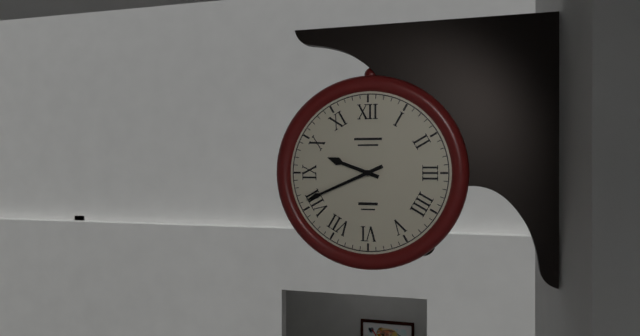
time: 9:41
